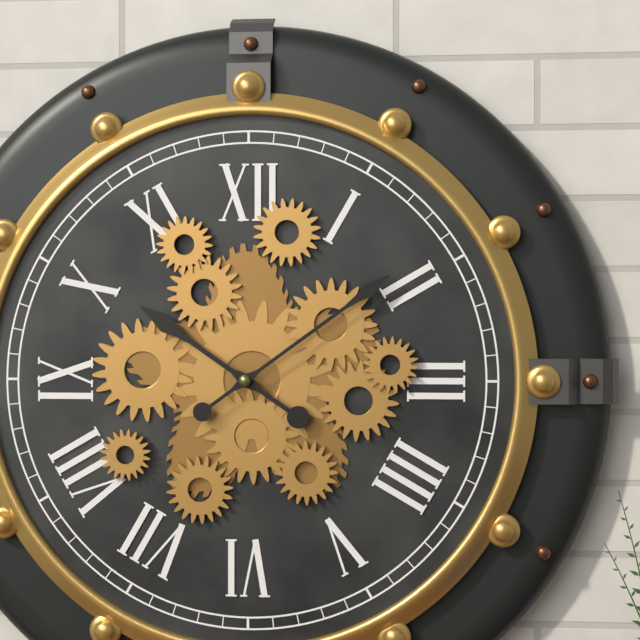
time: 10:09
